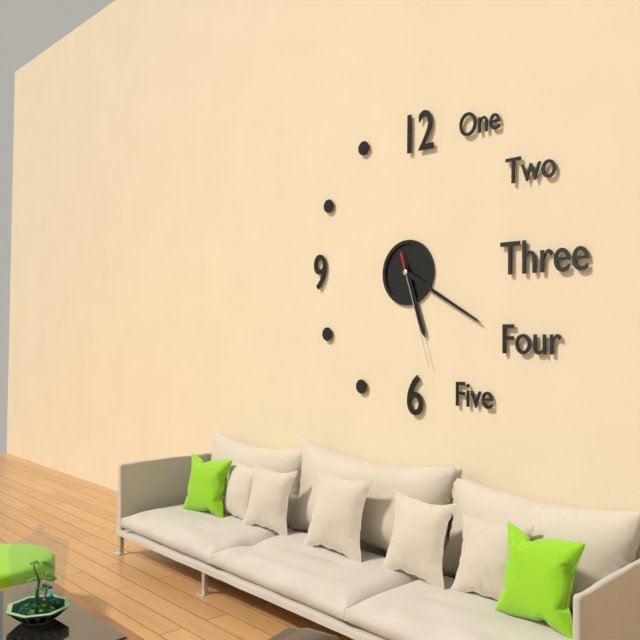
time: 5:20:27
